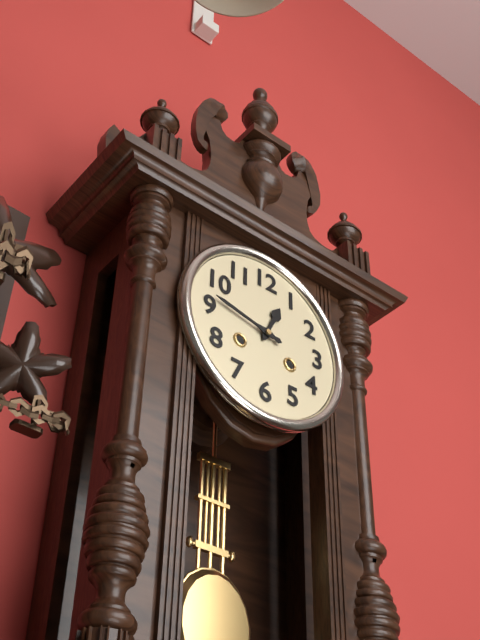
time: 12:47
